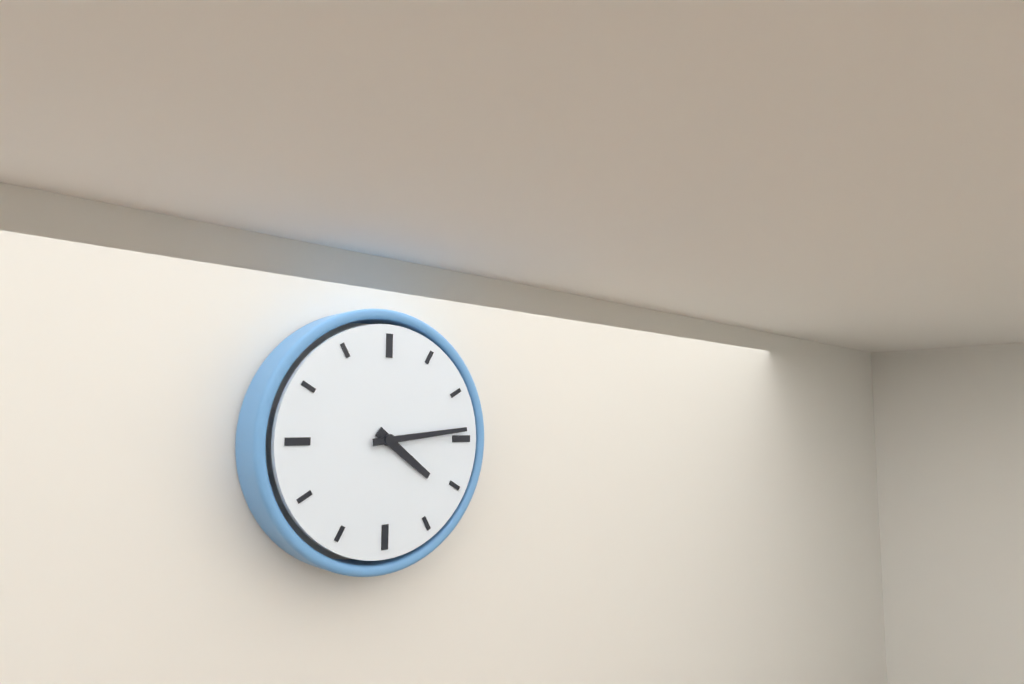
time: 4:14
